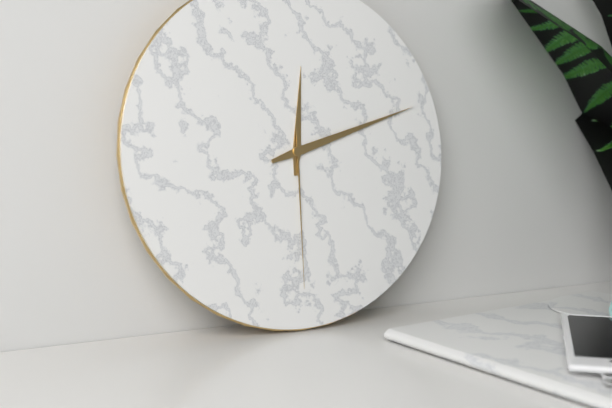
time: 12:12:30
